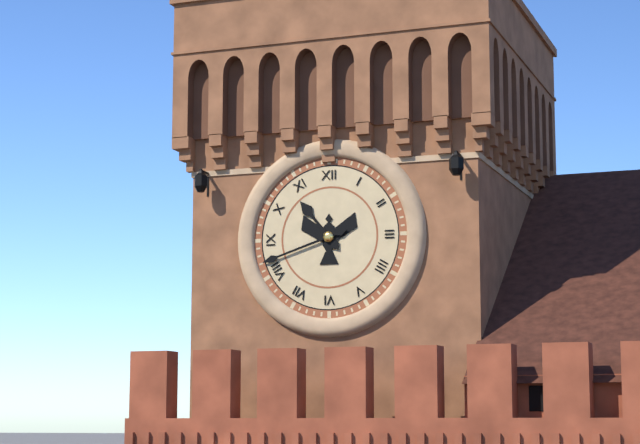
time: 10:42
